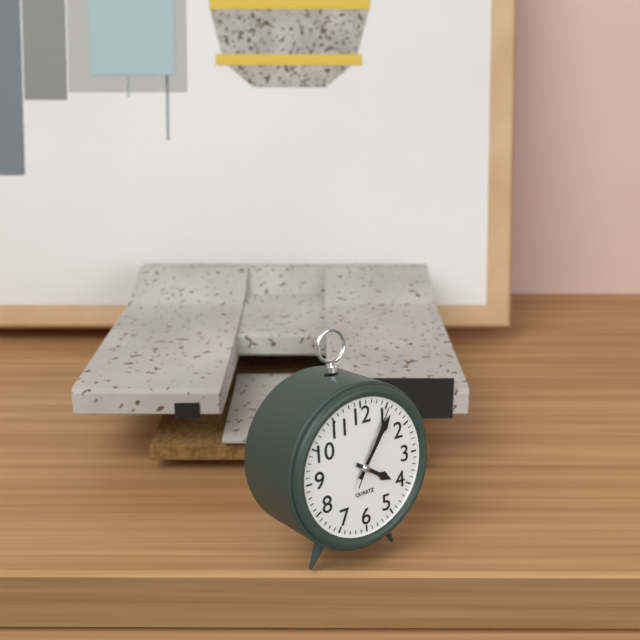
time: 4:06:05
